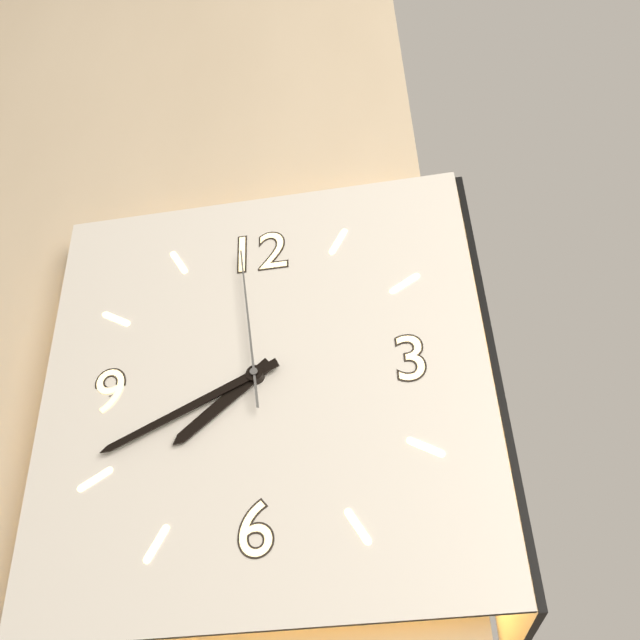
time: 7:41:59
